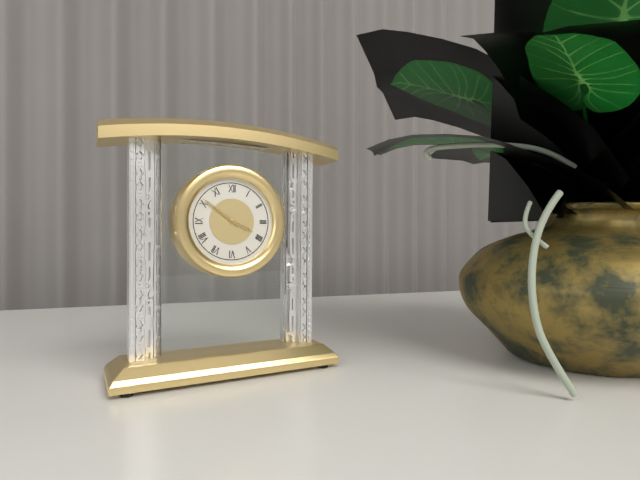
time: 3:51
